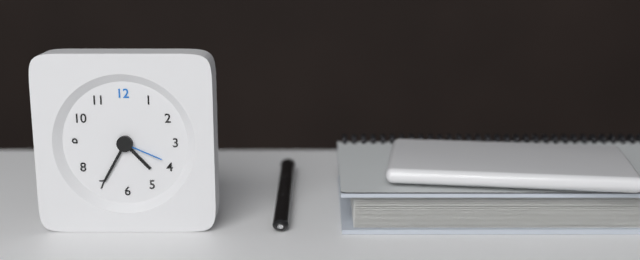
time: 4:35:19
